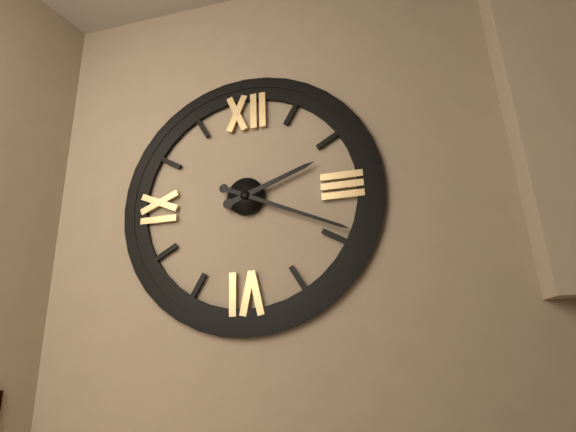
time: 2:19
